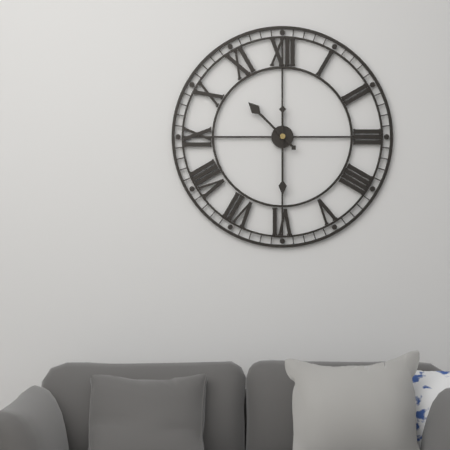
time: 10:30
